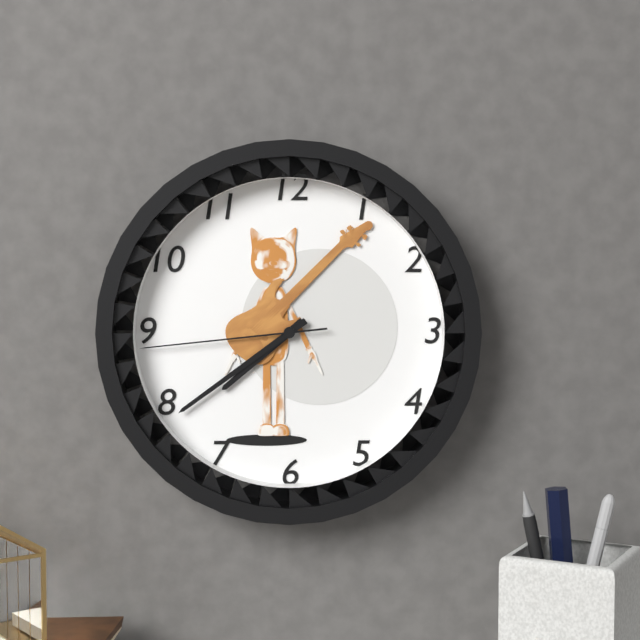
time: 7:39:44
